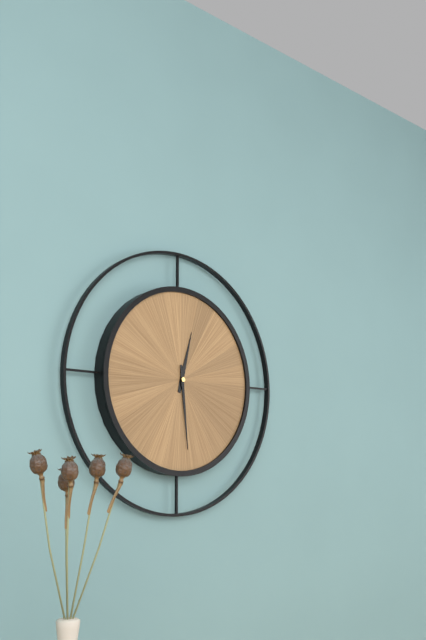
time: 12:29
